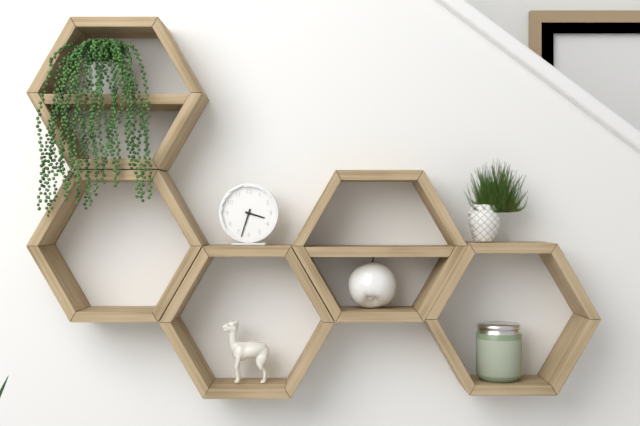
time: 3:33
